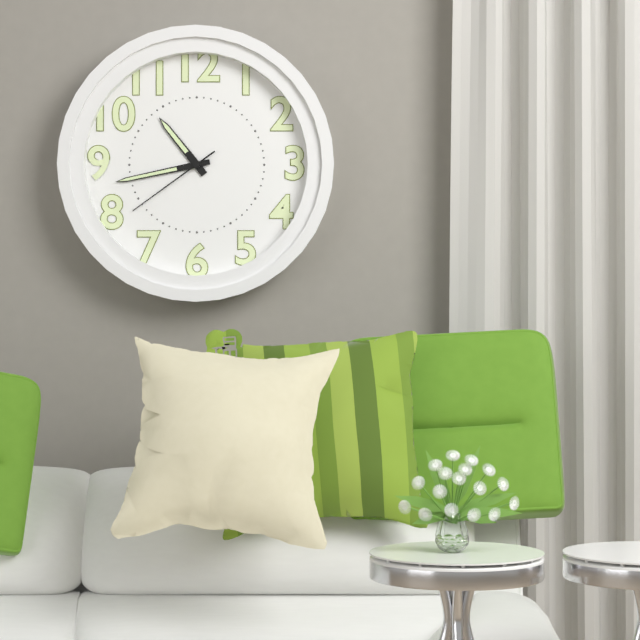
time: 10:43:39
